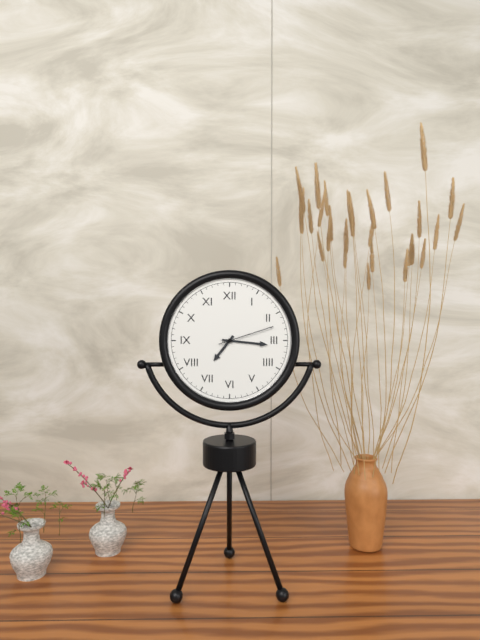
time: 7:16:12
